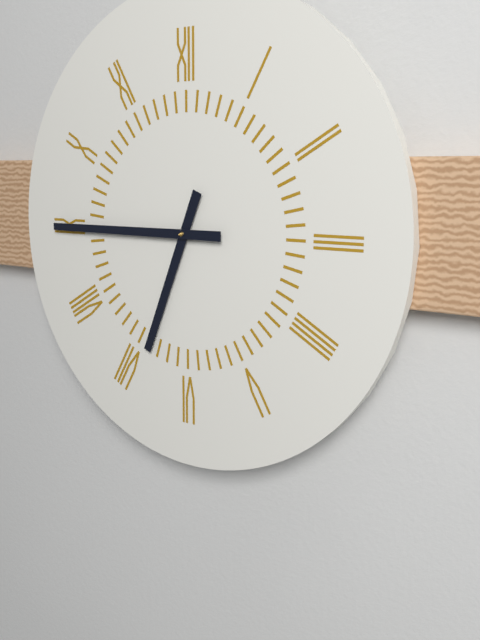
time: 6:45
